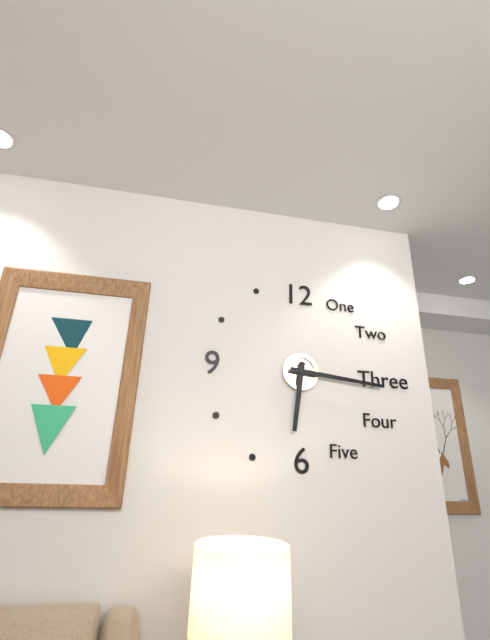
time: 6:16
